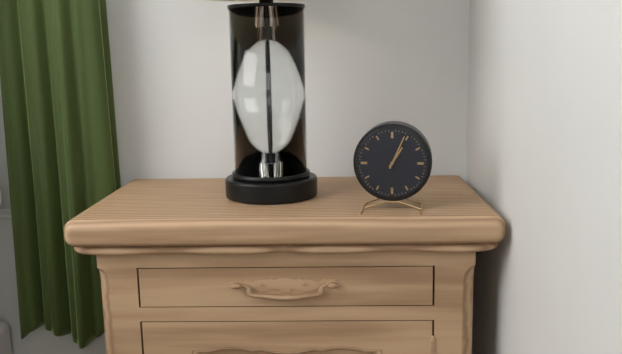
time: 1:04
